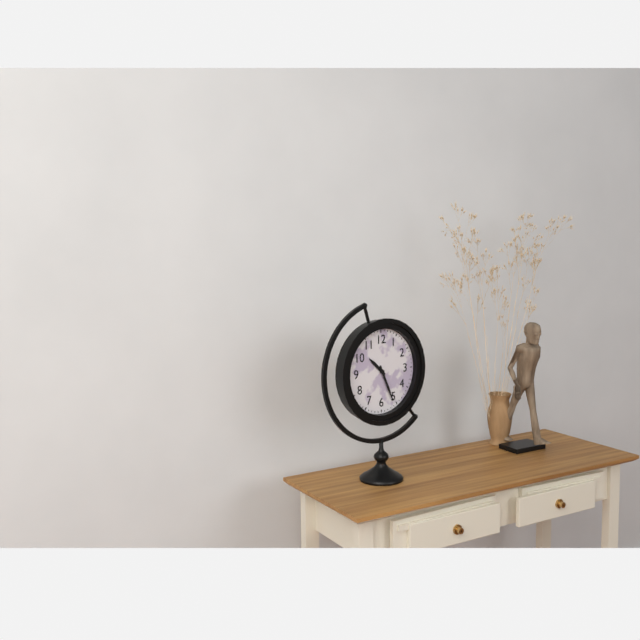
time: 10:26
